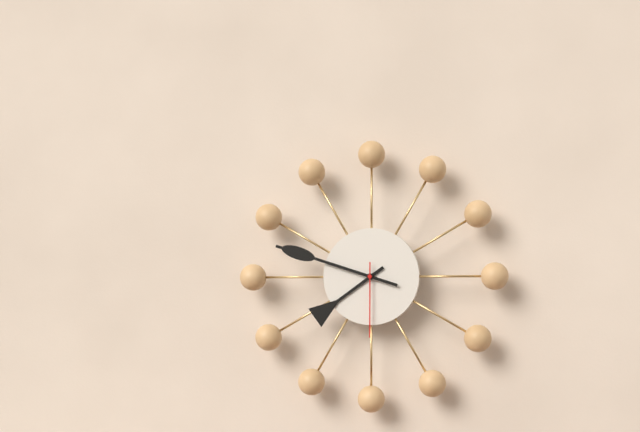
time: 7:48:30
